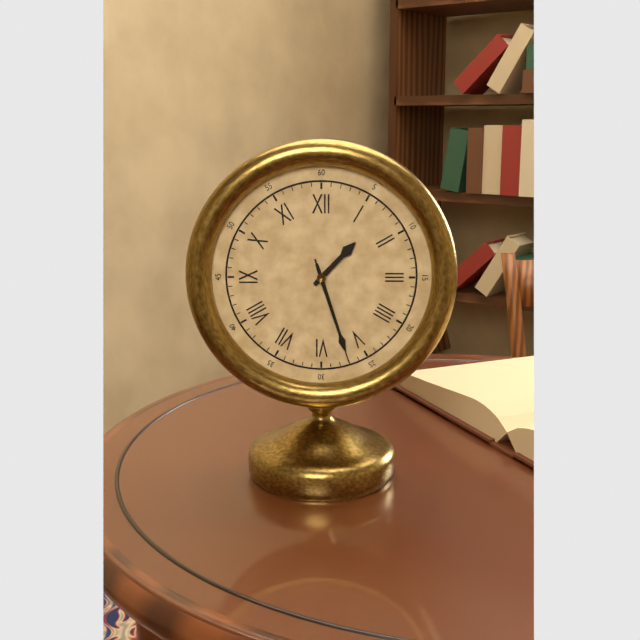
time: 1:27:27
